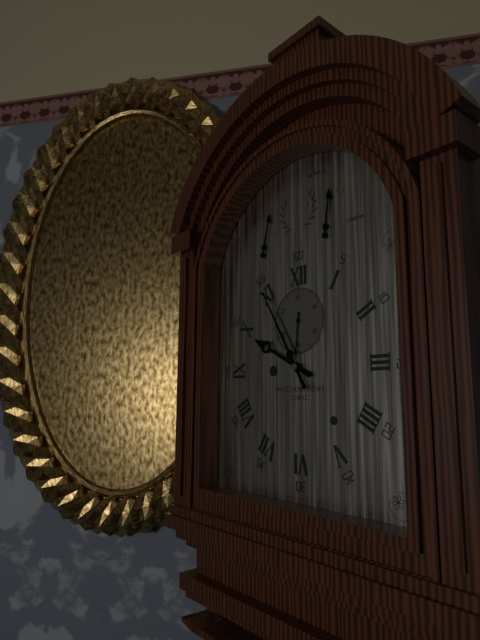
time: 9:55
